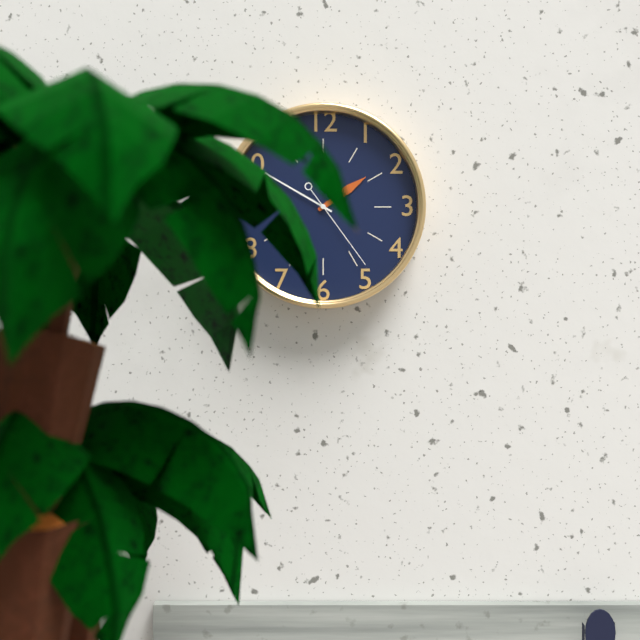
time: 1:50:24
